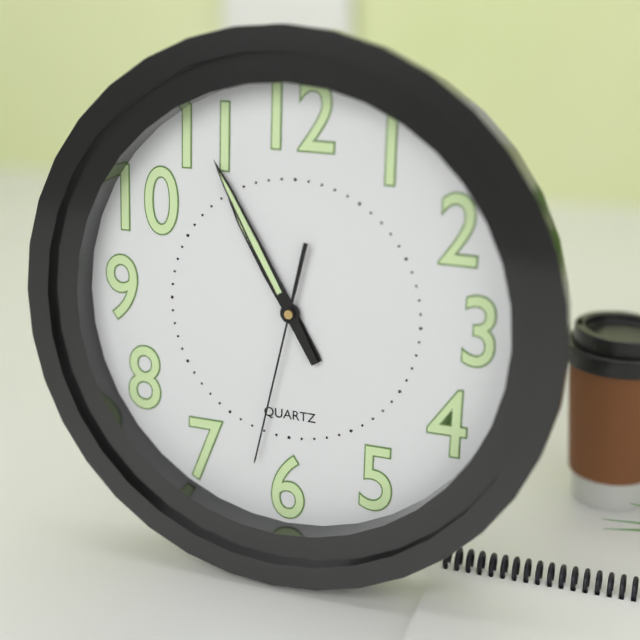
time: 10:55:32
